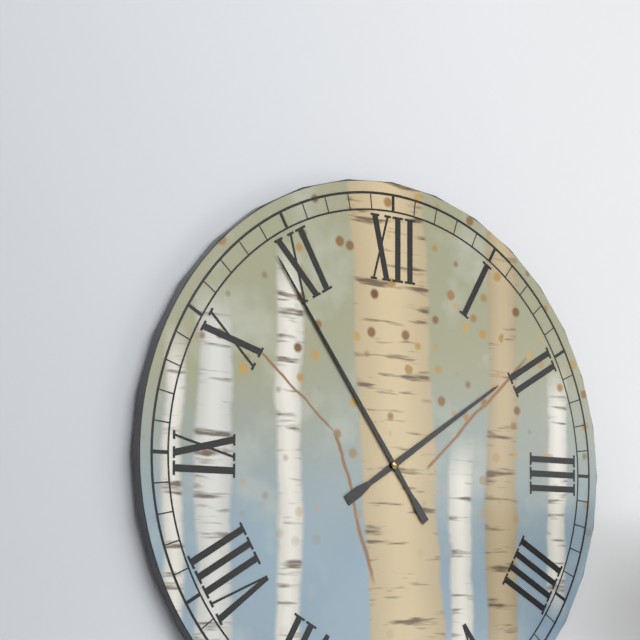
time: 1:54
